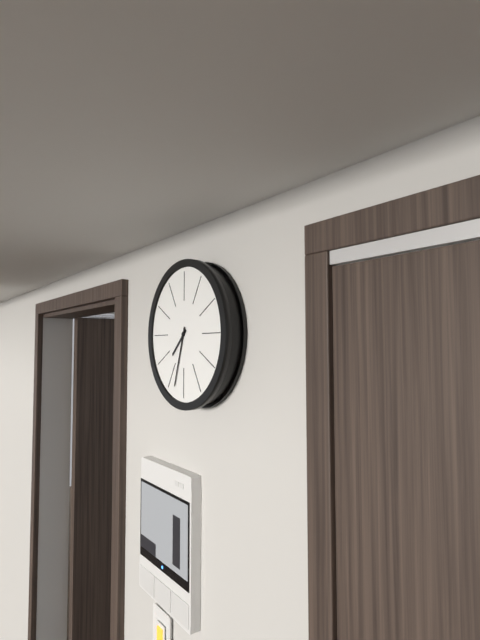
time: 7:33
